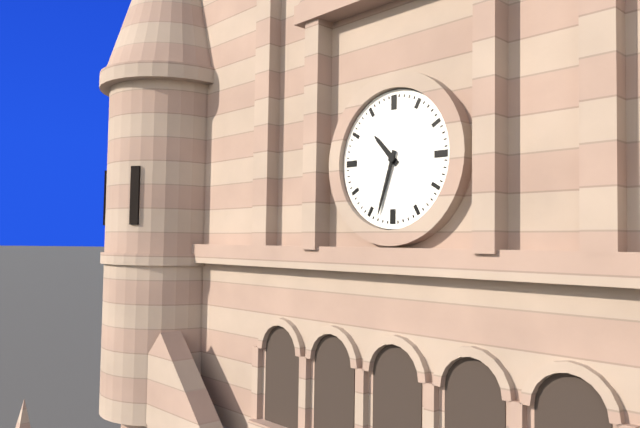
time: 10:33
